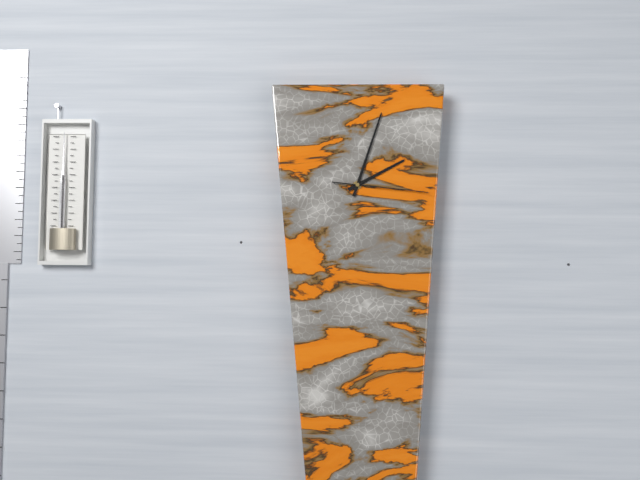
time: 2:03:16
